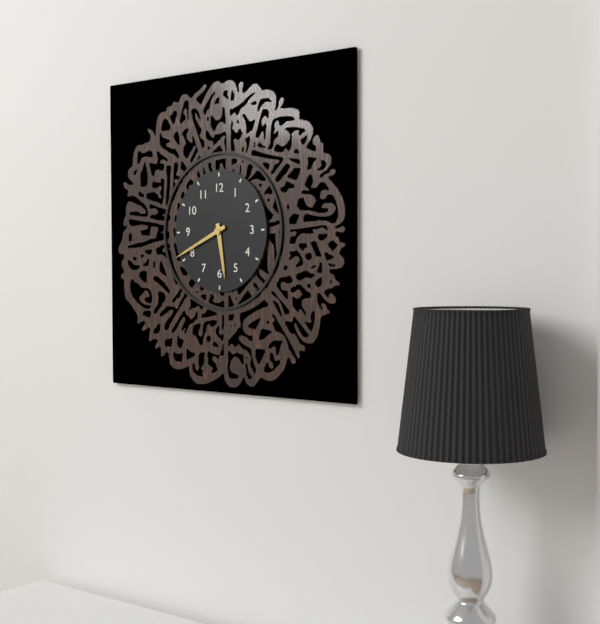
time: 5:41
